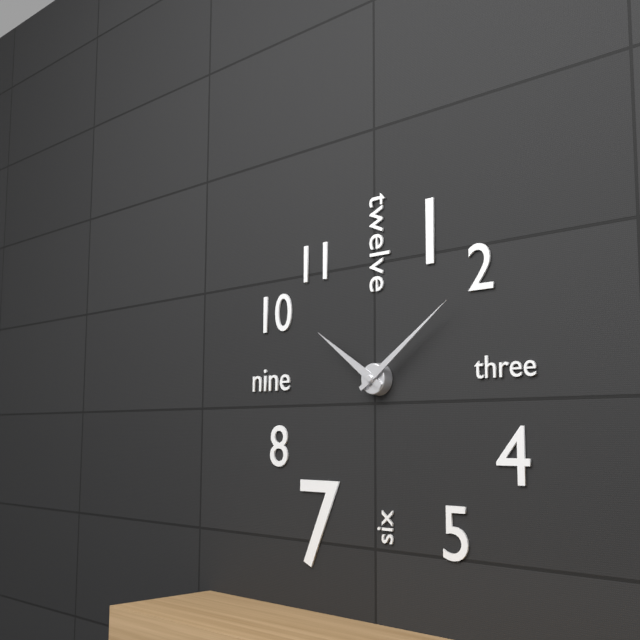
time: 10:09
